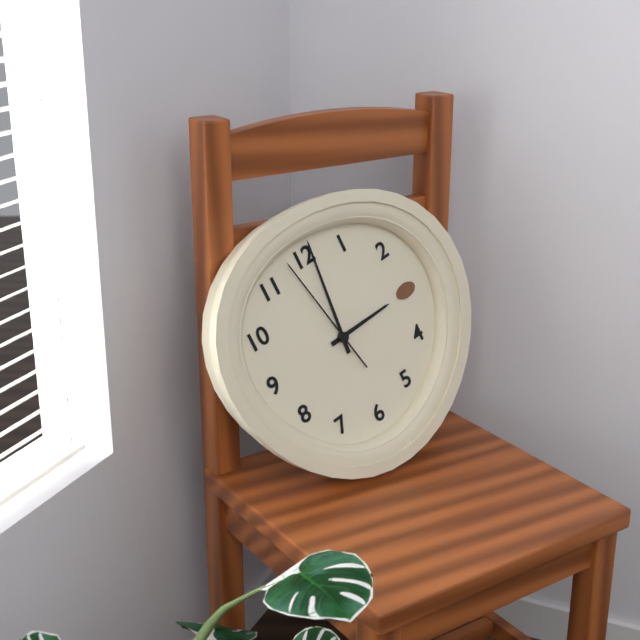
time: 3:01:58
